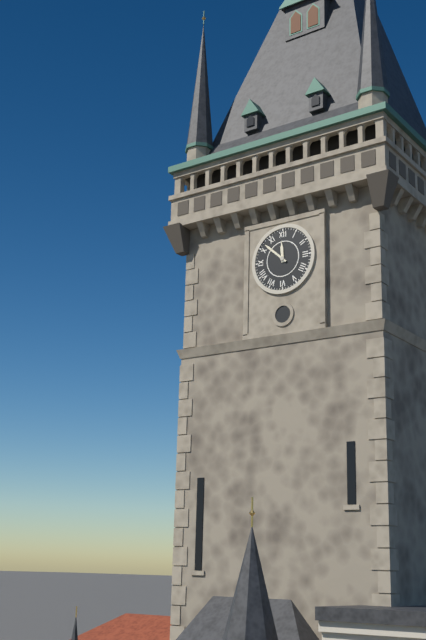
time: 11:52
